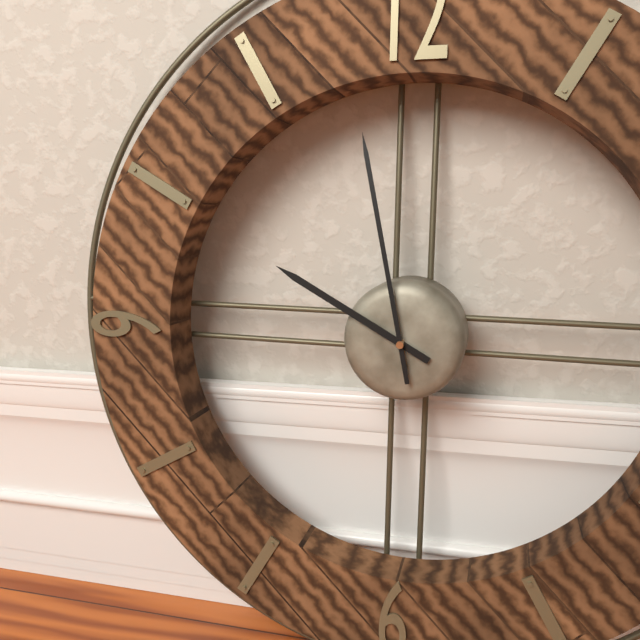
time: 9:58
